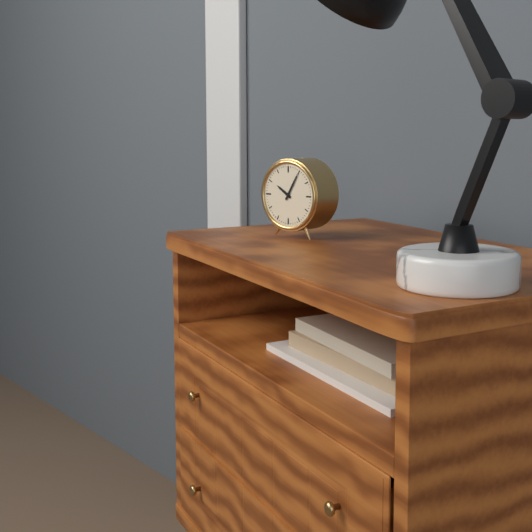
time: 10:05
